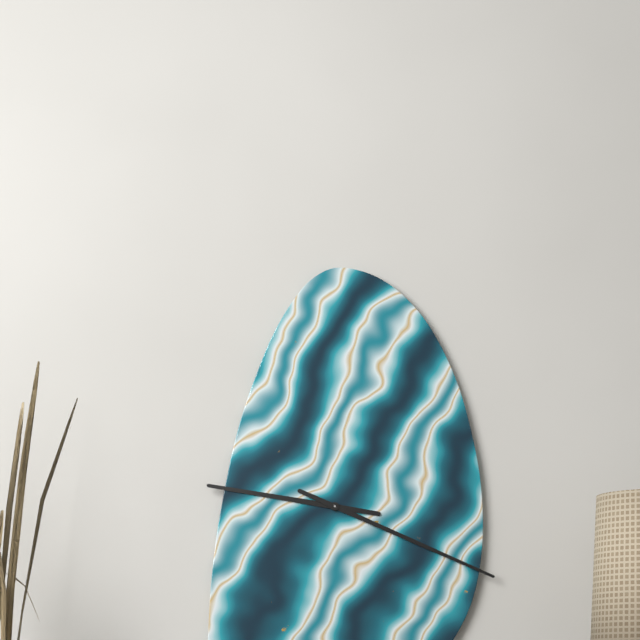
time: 9:19
